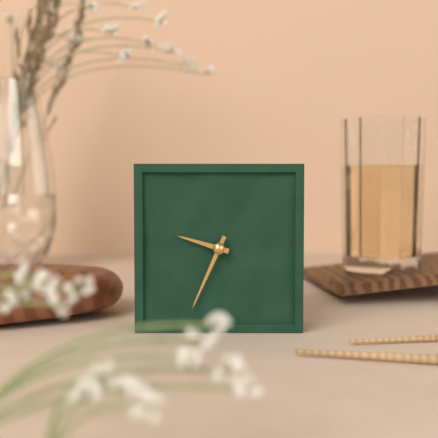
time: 9:34
